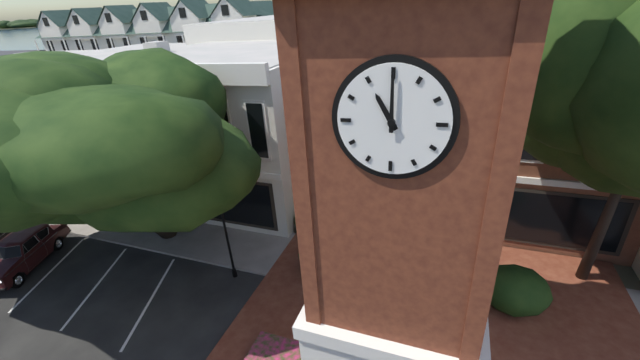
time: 11:00
